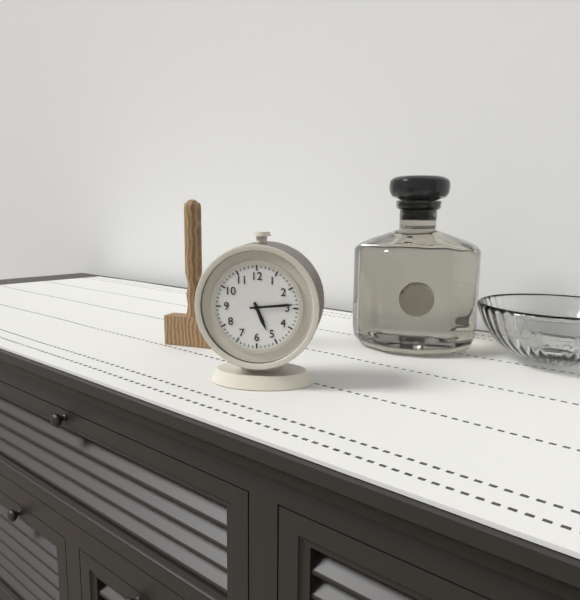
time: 5:14
